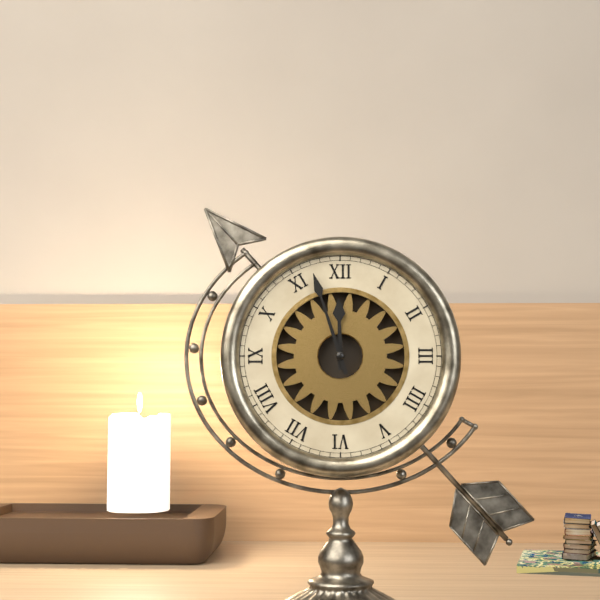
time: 11:57
